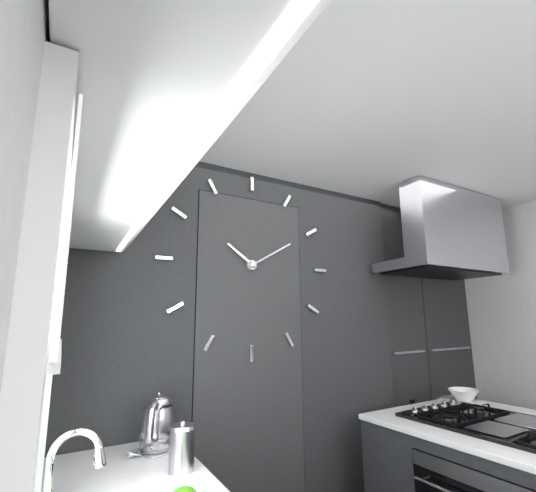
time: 10:10
